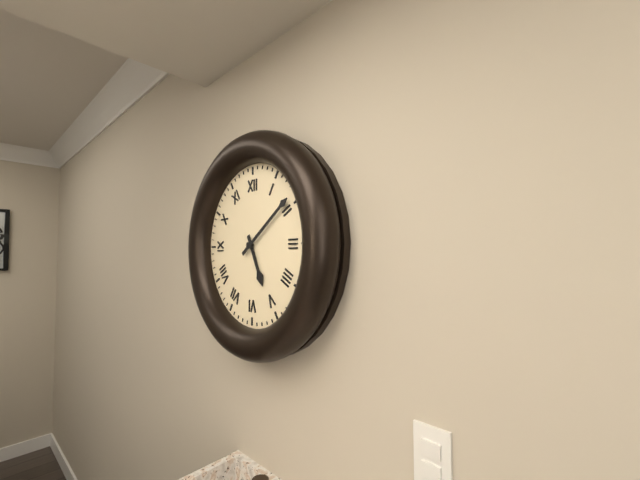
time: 5:09
